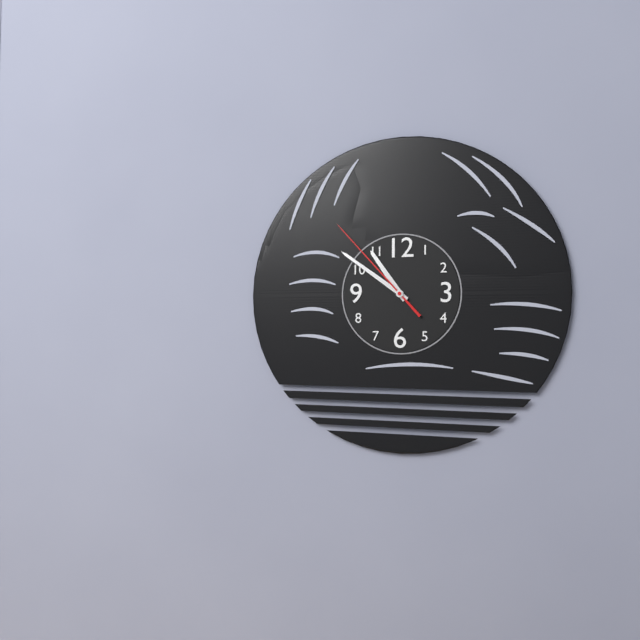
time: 10:51:53
